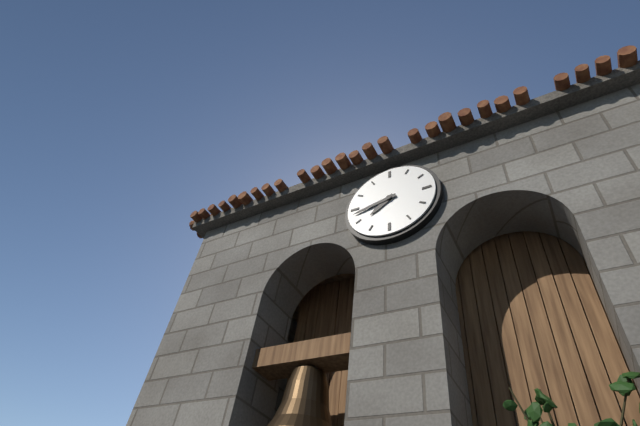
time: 7:43
